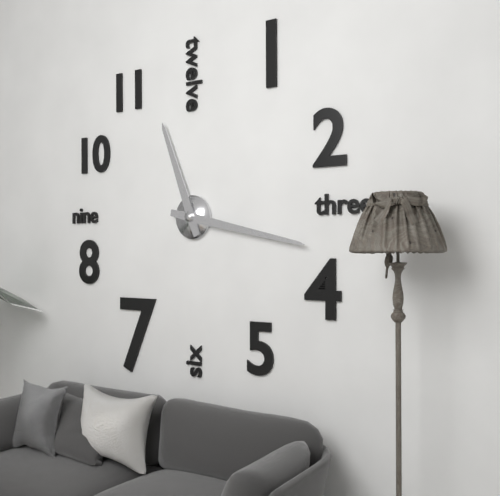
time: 11:17
